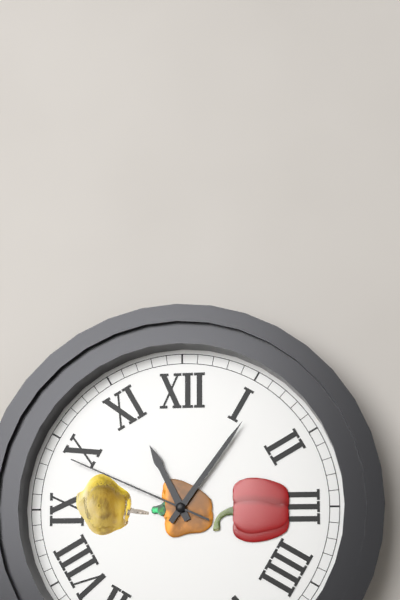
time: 11:06:49
